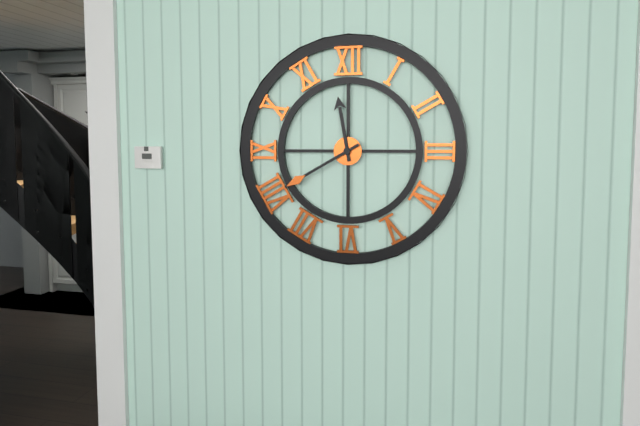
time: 11:40
